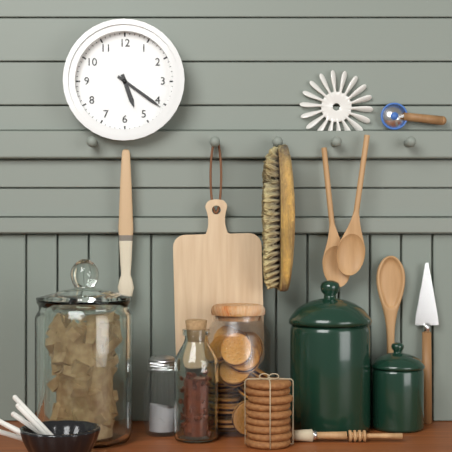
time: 5:21
